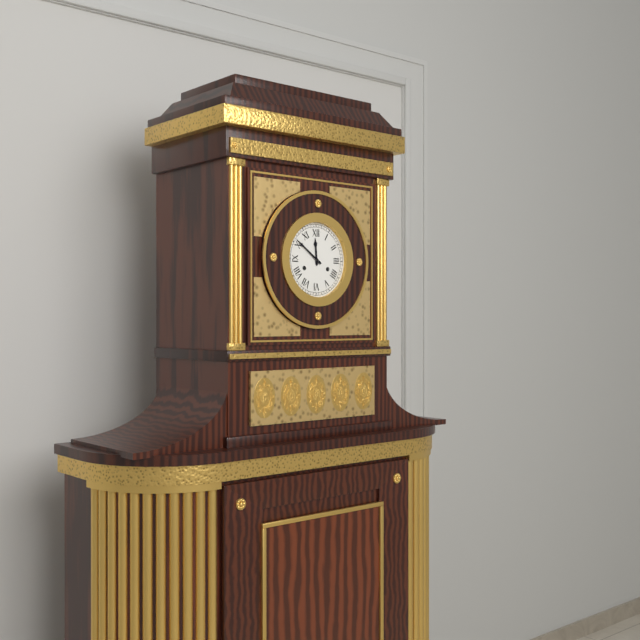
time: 11:51
